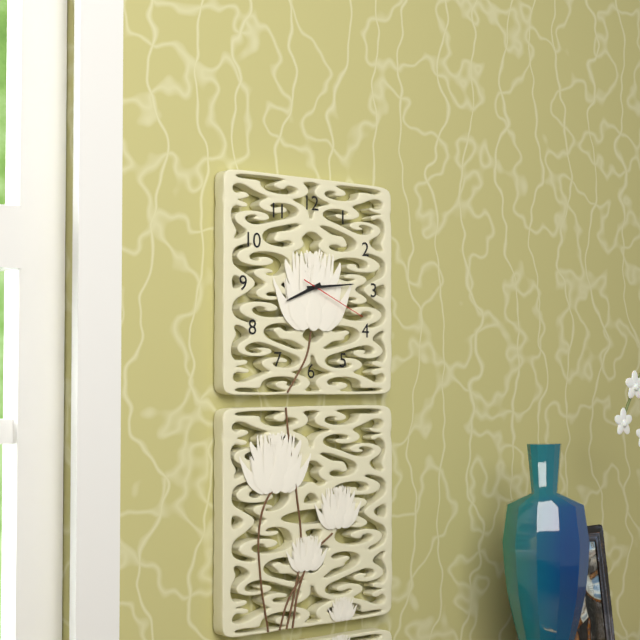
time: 8:14:19
